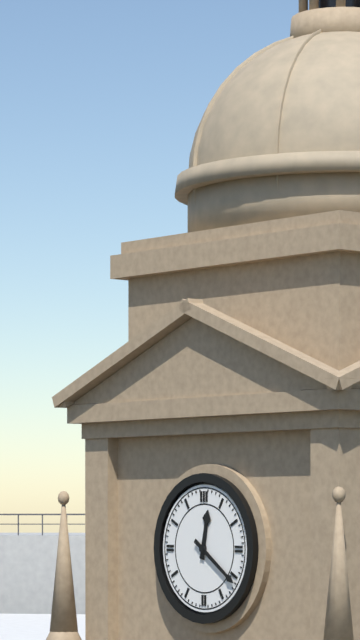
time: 12:21
